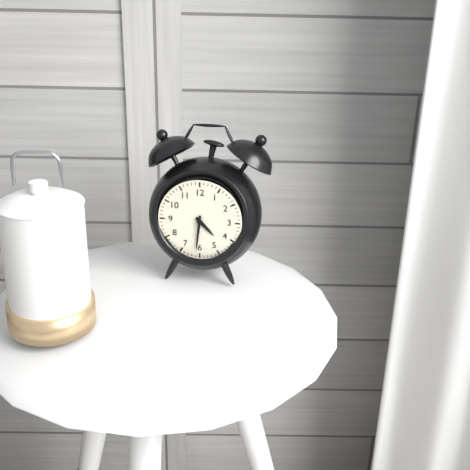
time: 4:31
